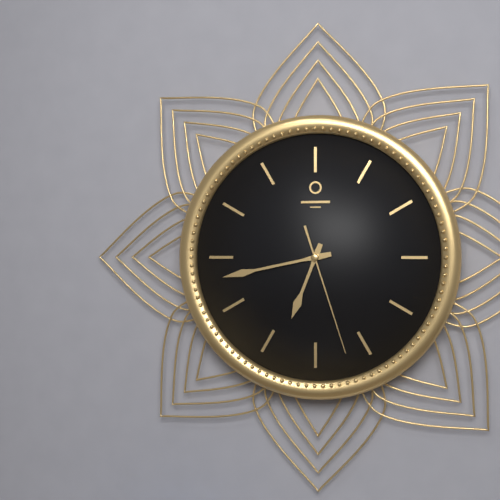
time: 6:43:27
